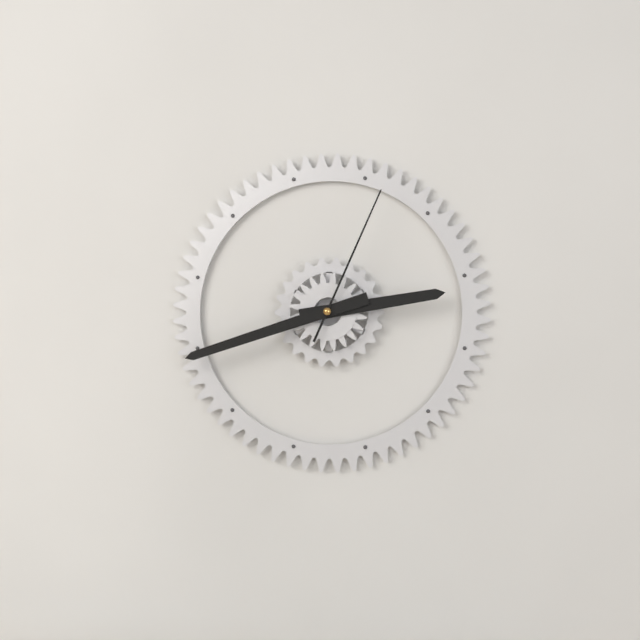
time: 2:42:04
